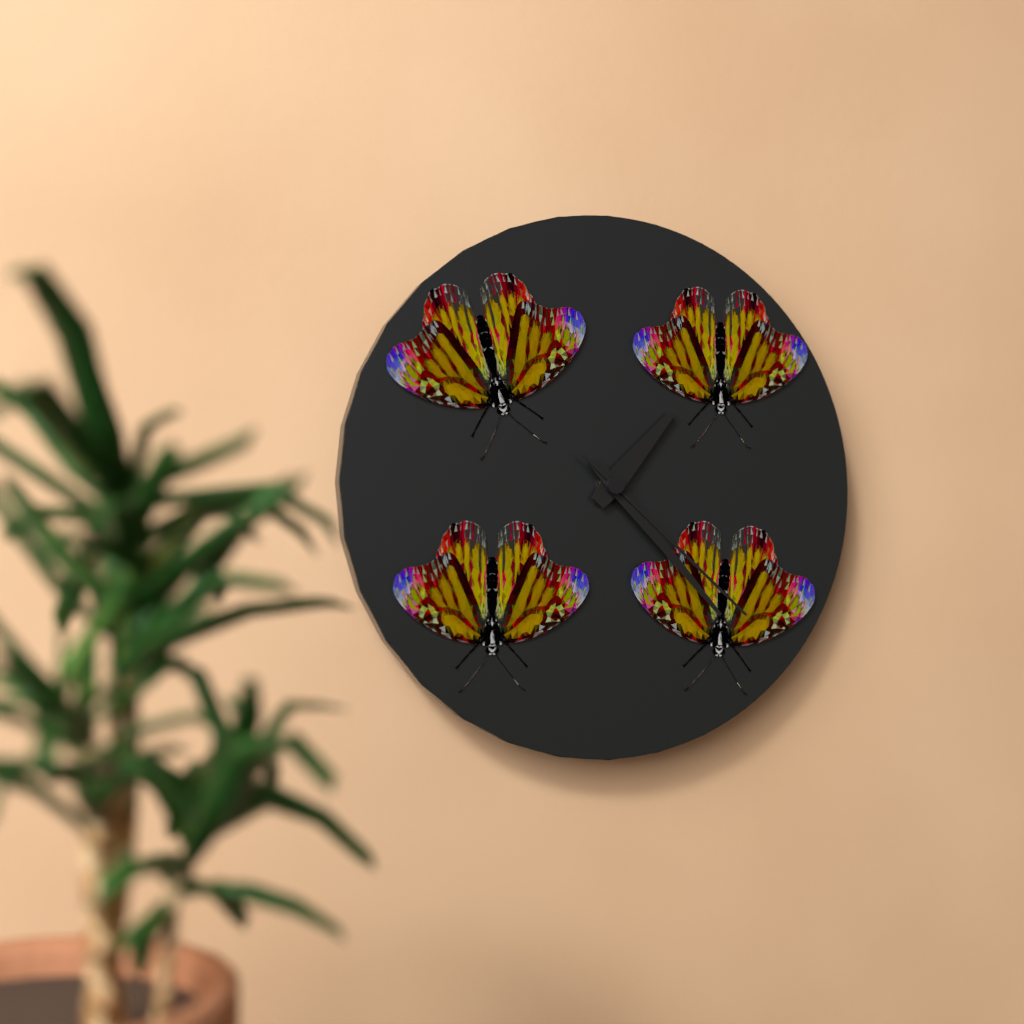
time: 1:23:22
